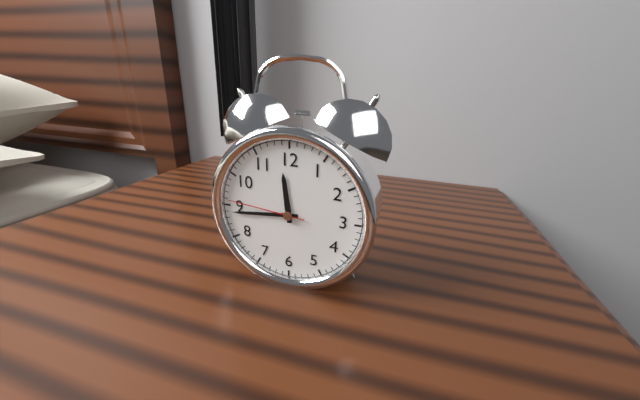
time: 11:44:46
